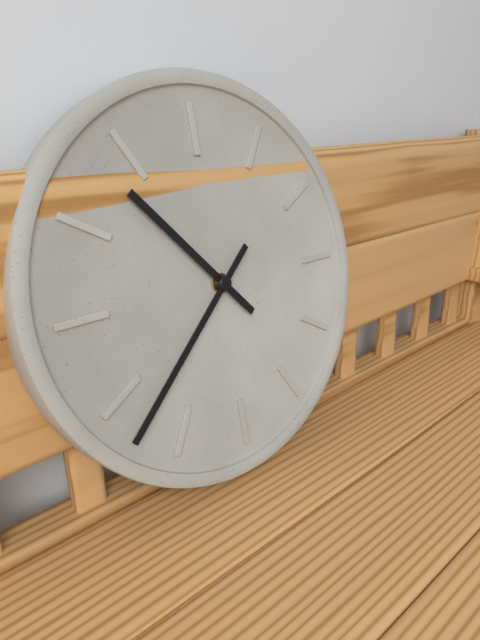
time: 10:38
